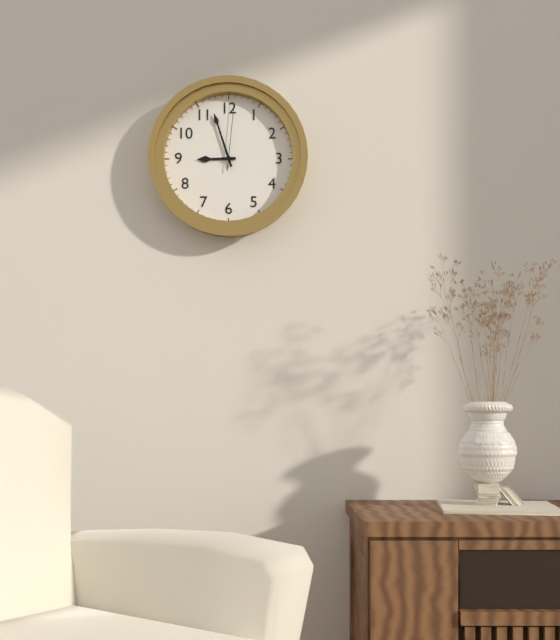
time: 8:57:01
